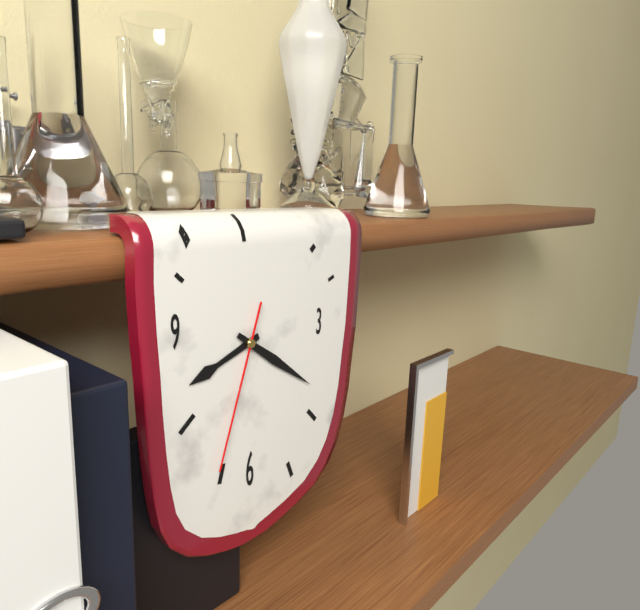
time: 8:21:33
